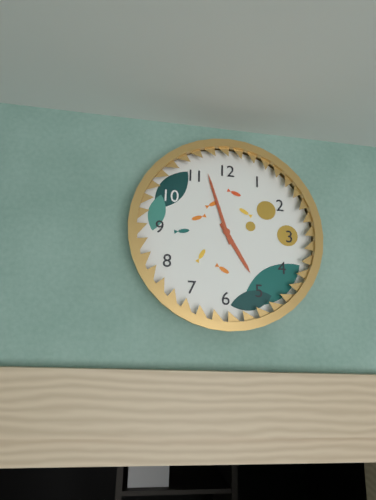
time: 4:57
